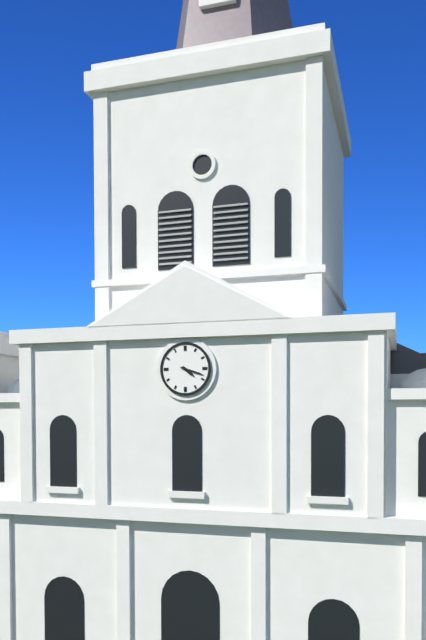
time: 4:18
